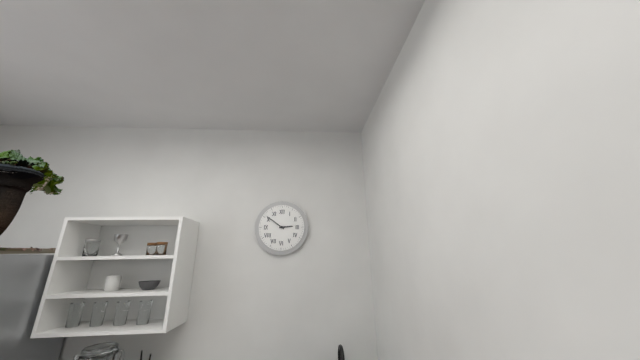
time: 2:51
